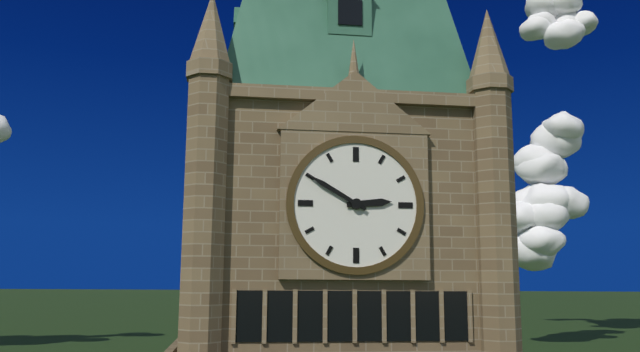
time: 2:50
